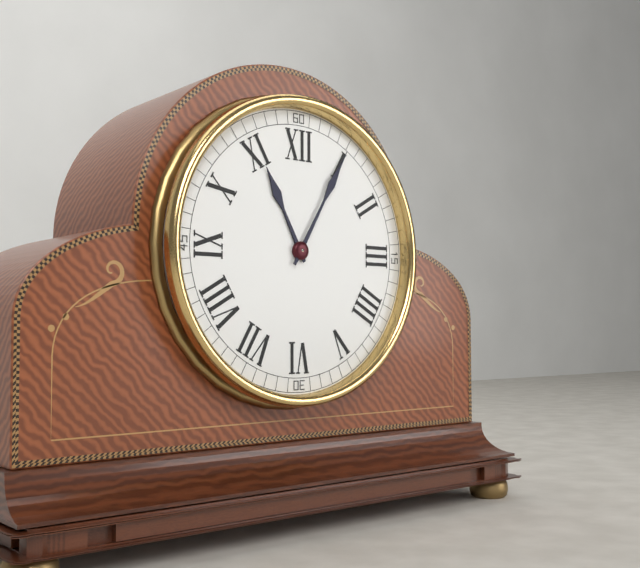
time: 11:05
